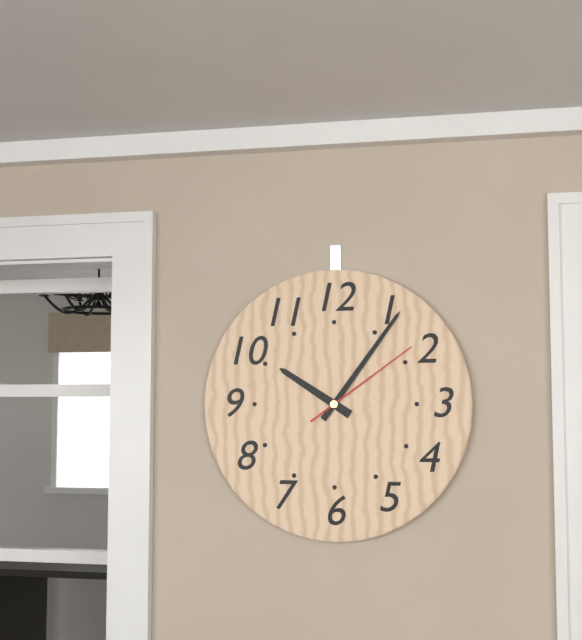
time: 10:06:09
